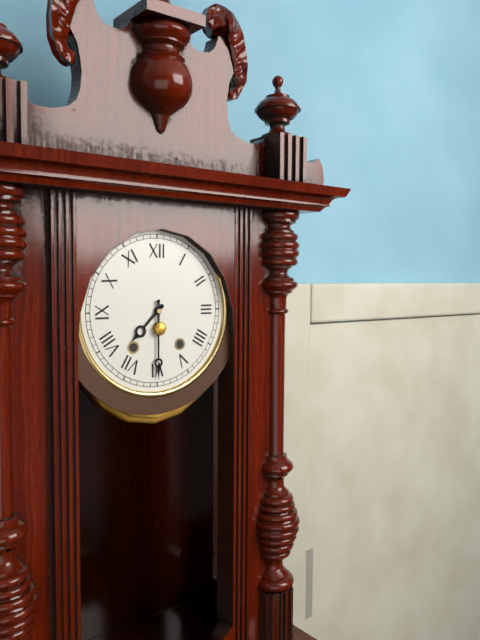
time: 7:30
